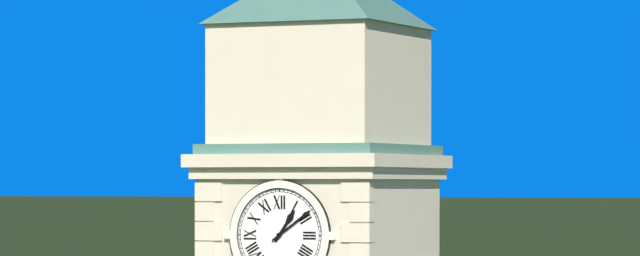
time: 1:09
